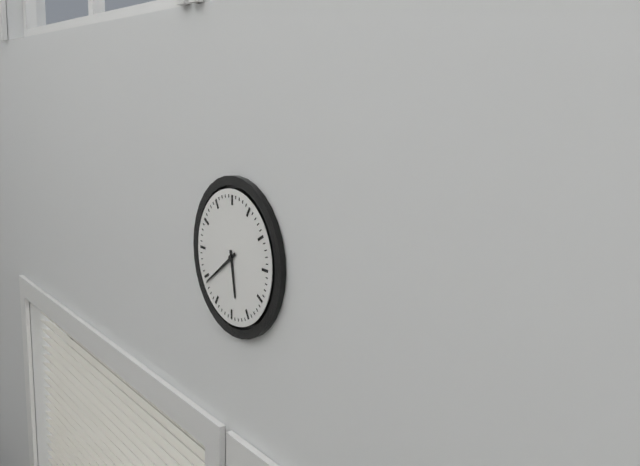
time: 5:39
